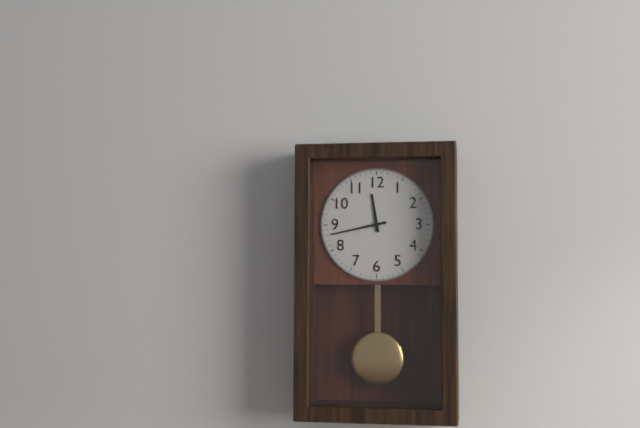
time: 11:43
